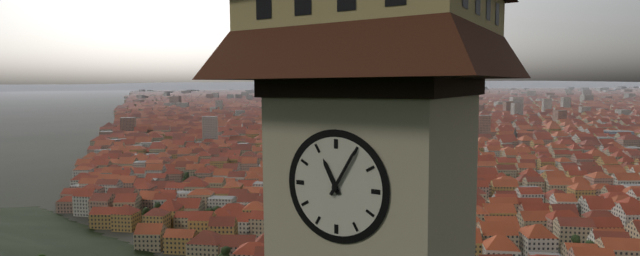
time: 11:05
